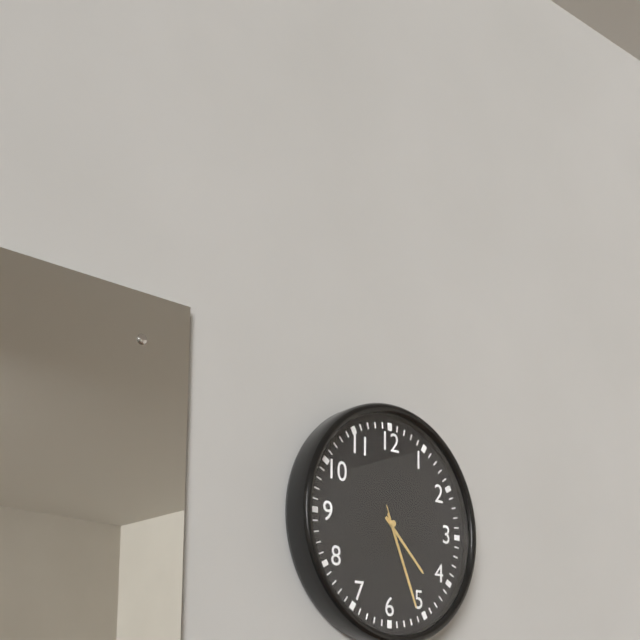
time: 4:26:26
